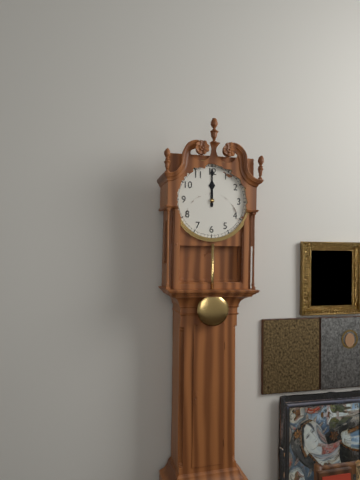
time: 12:00
